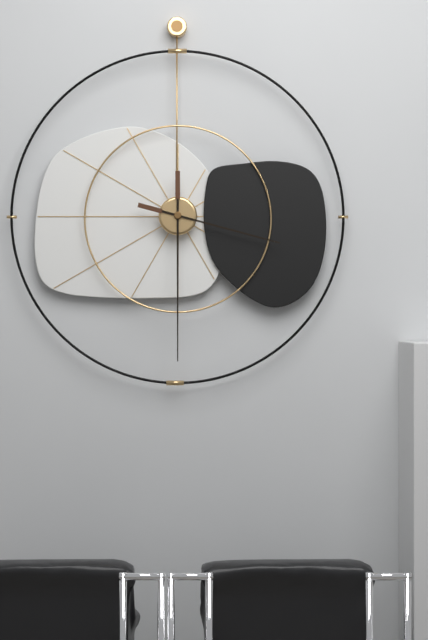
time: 3:30
